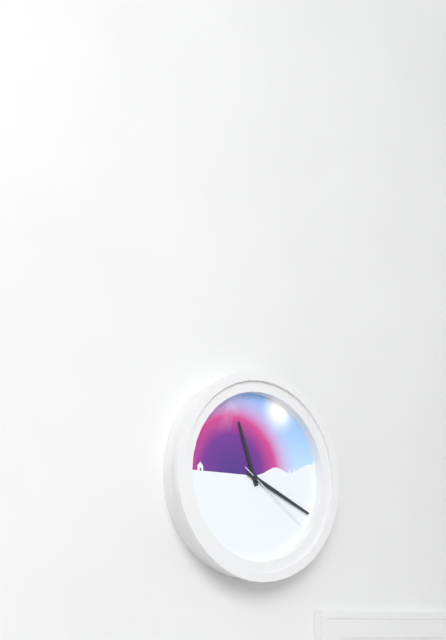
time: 11:19:21
